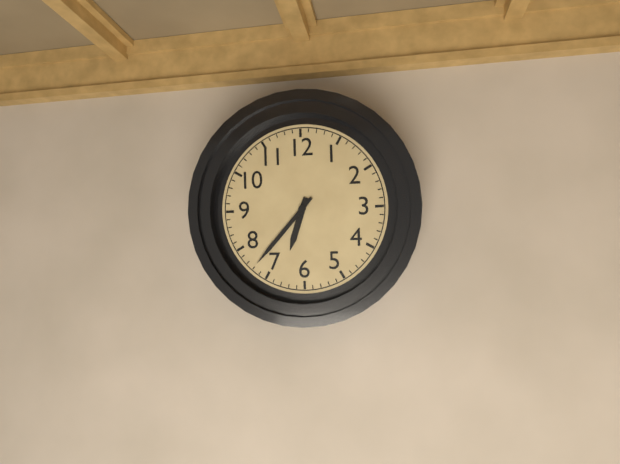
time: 6:37
